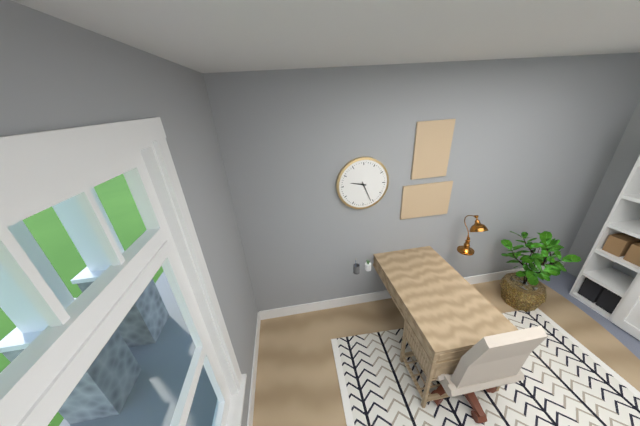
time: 9:26
